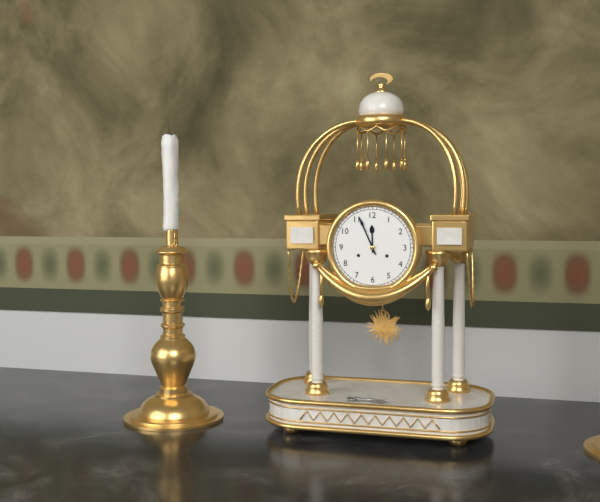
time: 11:56
